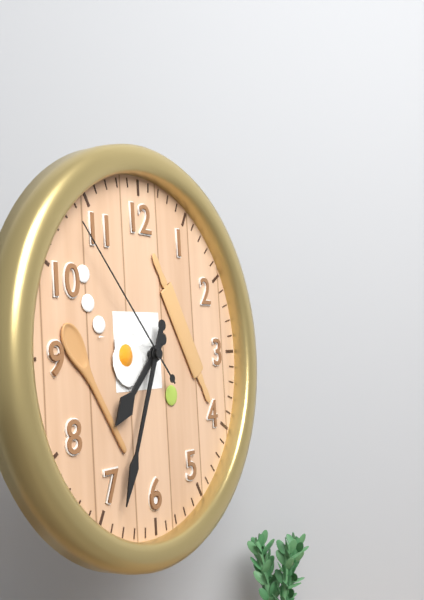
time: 7:34:53
